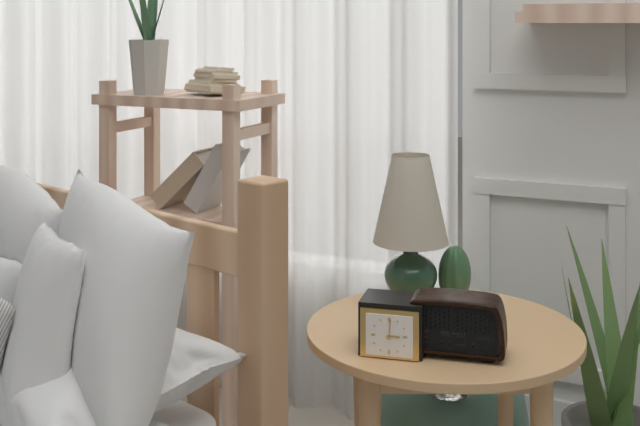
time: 3:01
